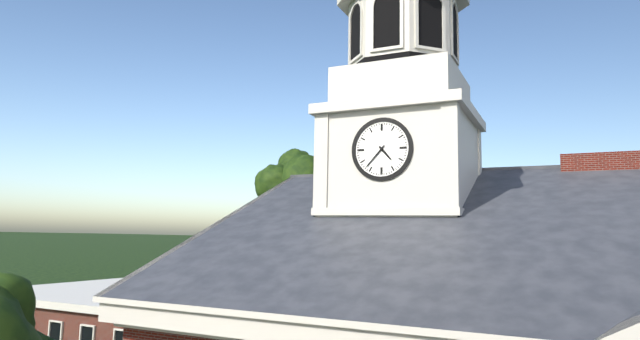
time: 4:37
